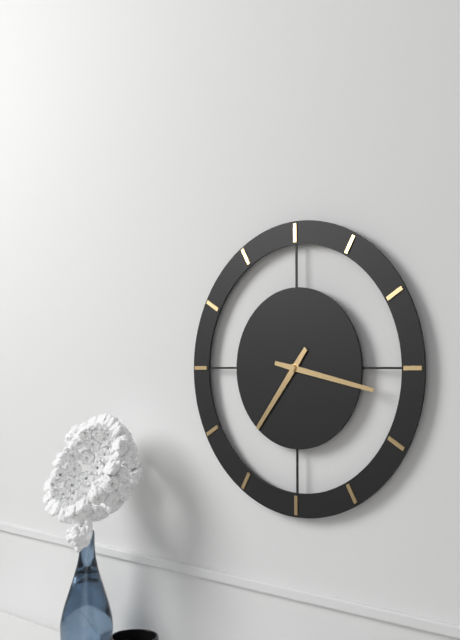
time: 7:17
